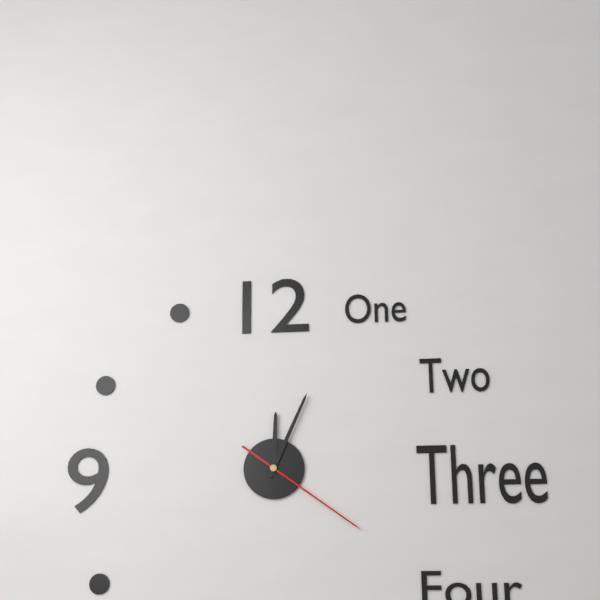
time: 12:04:21
